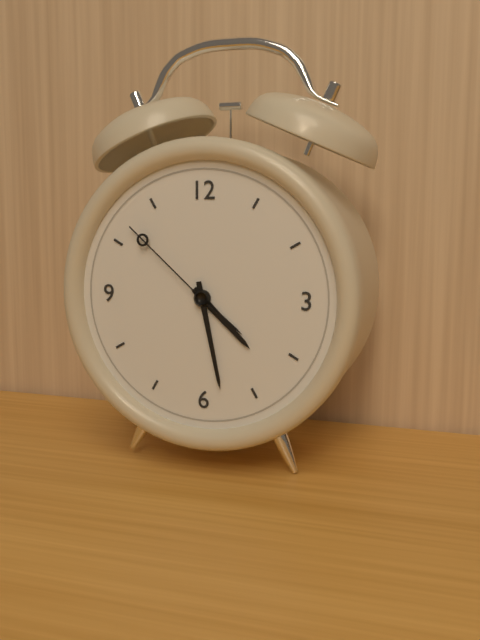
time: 4:28:52
